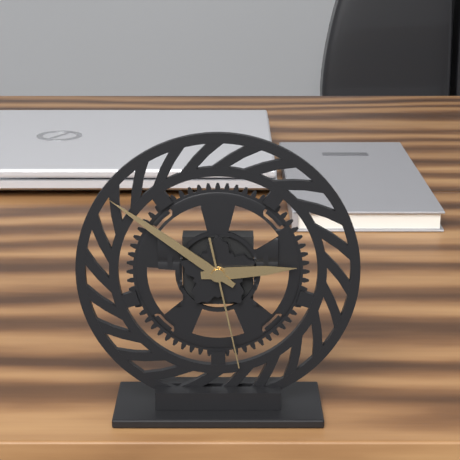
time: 2:51:28
